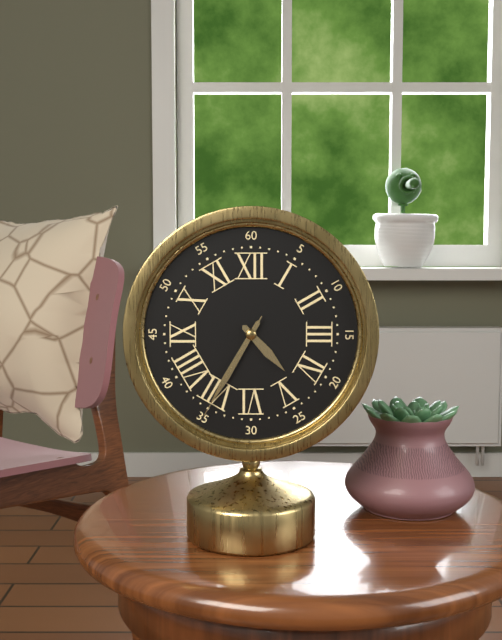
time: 4:35:35
